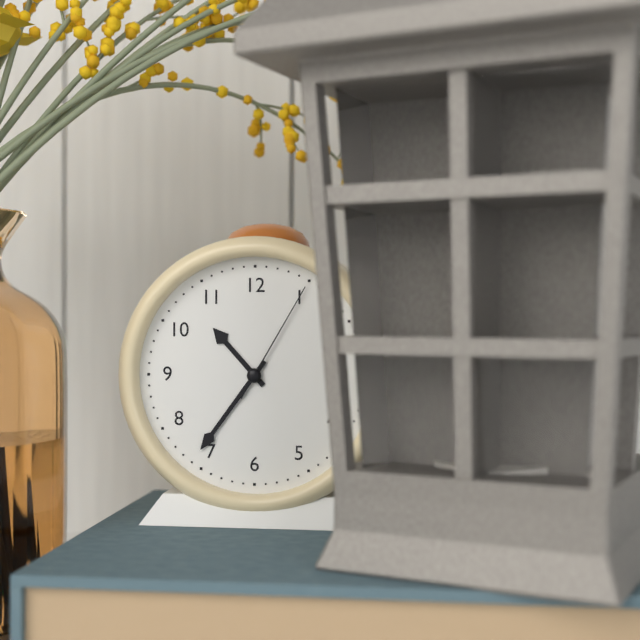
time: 10:36:05
